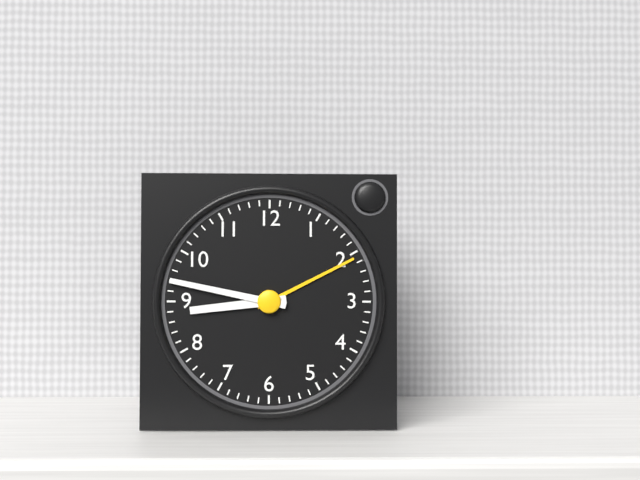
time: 8:47
